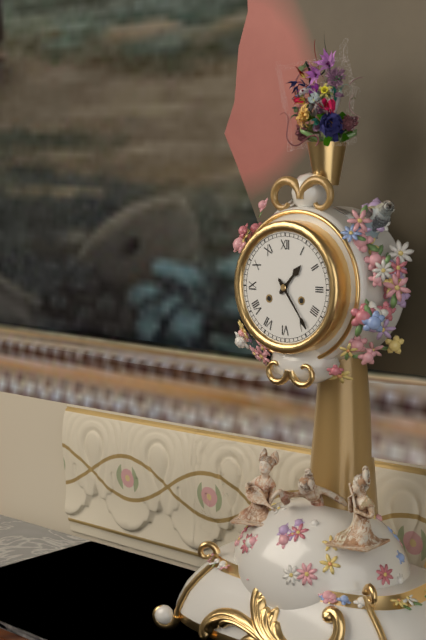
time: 1:24
